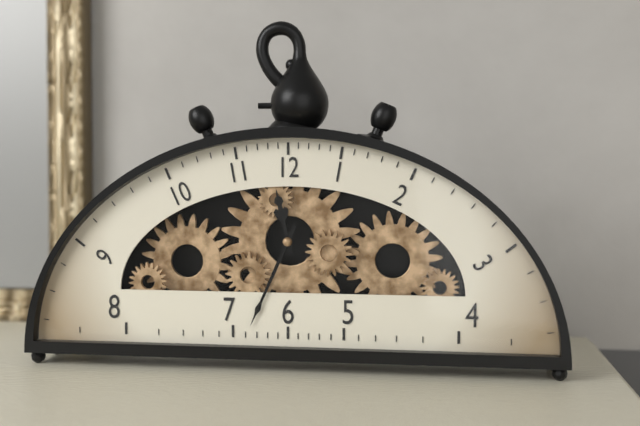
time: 11:34
